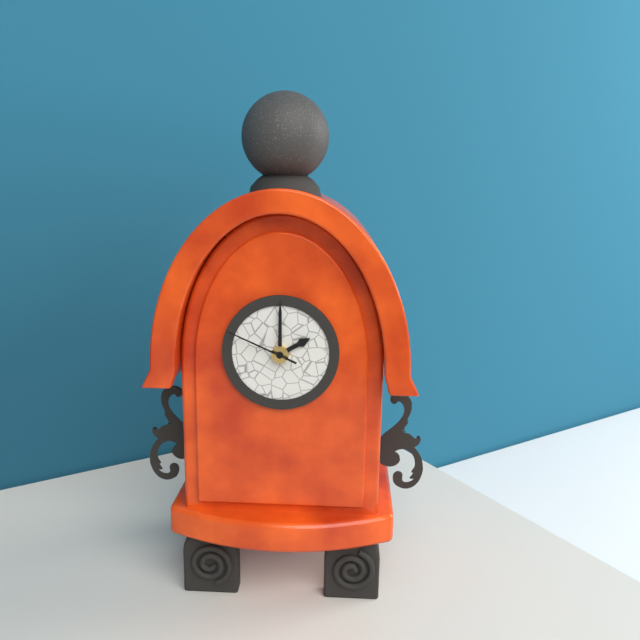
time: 2:00:49
